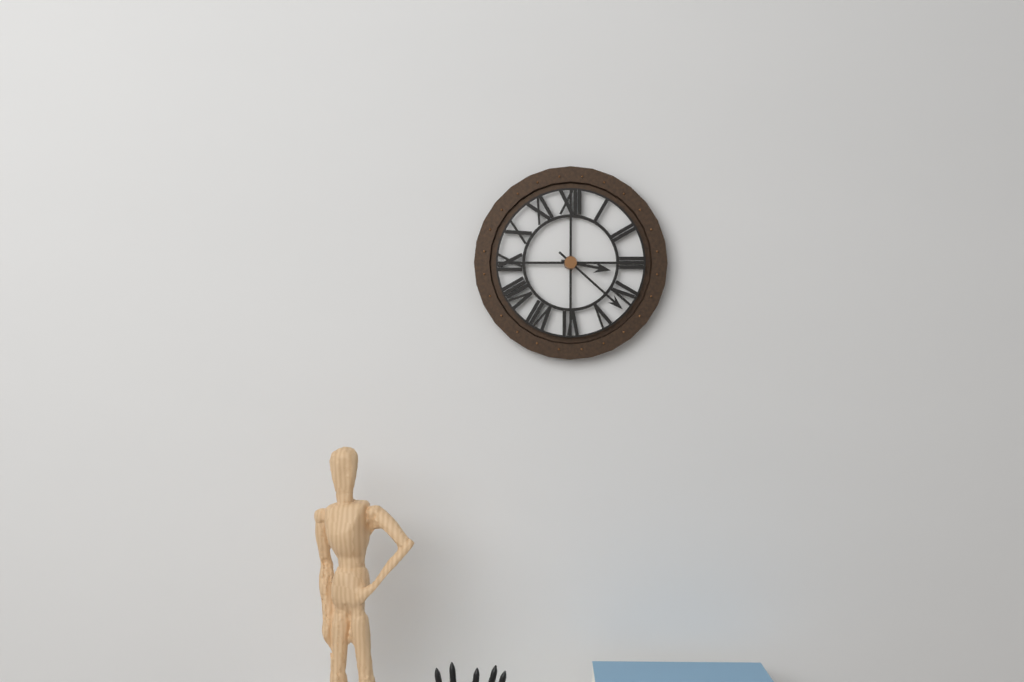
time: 3:22
